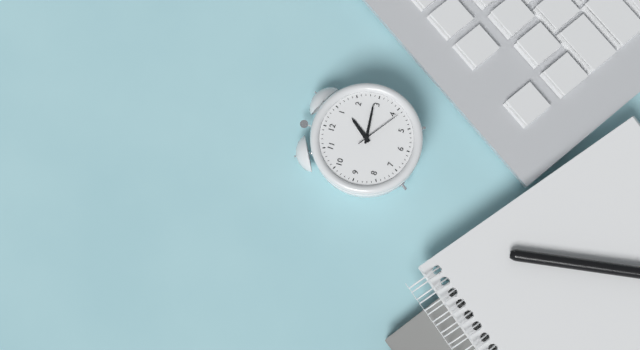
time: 1:14:21
